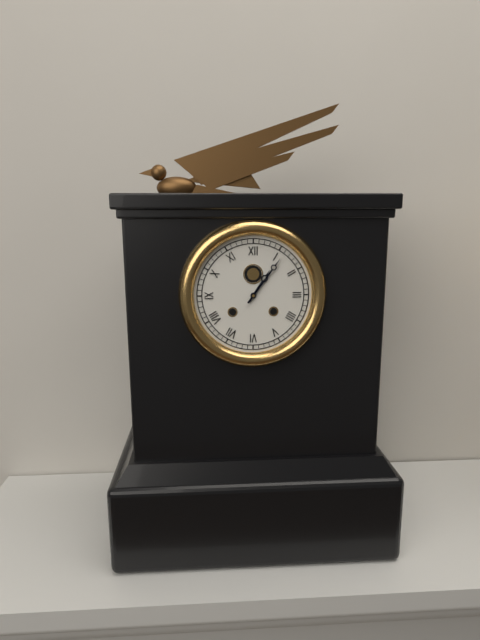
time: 1:06
